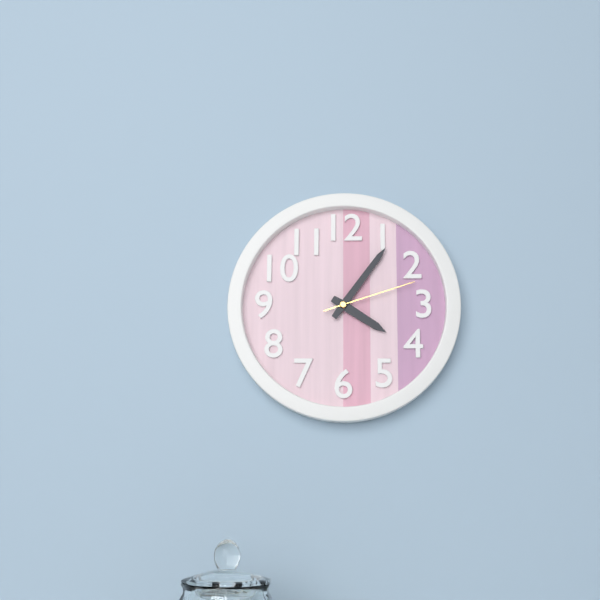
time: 4:06:12
